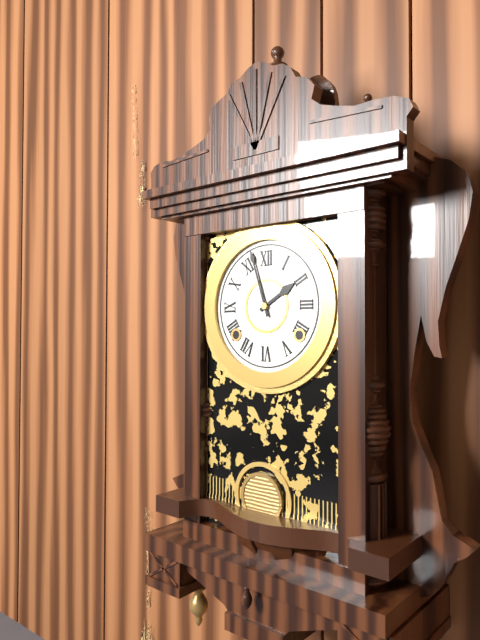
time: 1:57
